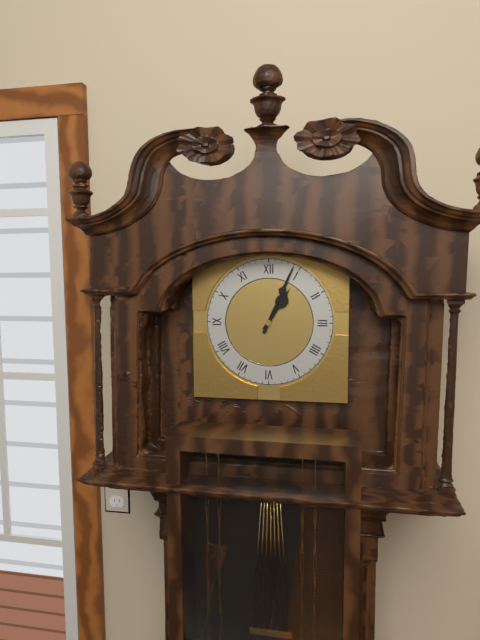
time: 1:04
